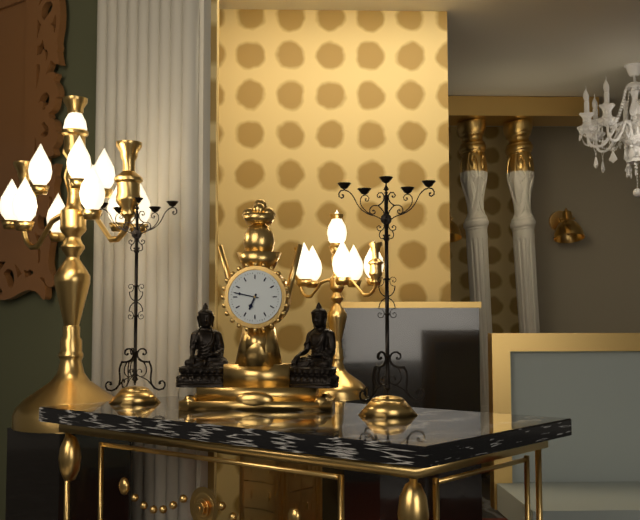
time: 6:47
